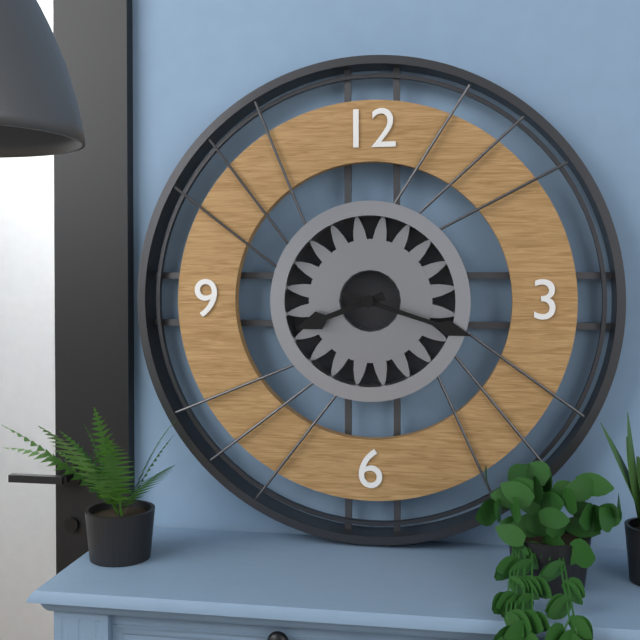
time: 8:18
